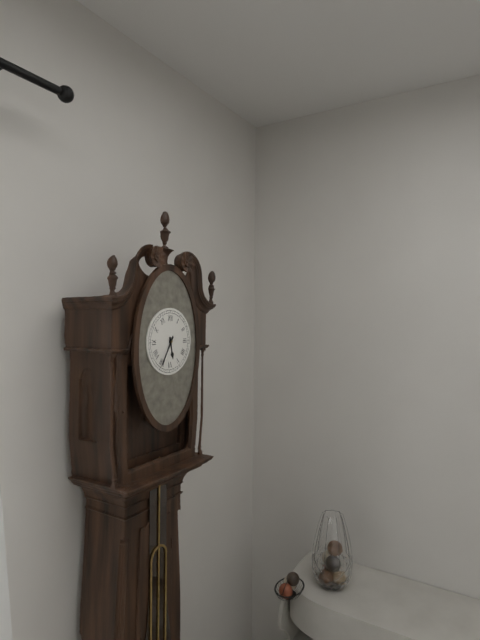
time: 5:35
